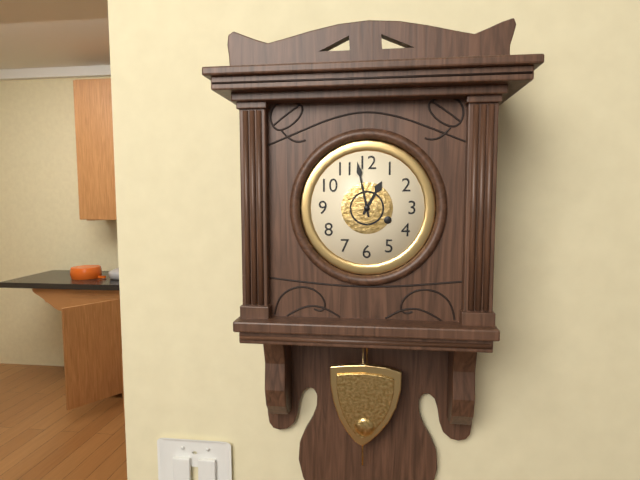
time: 12:58
